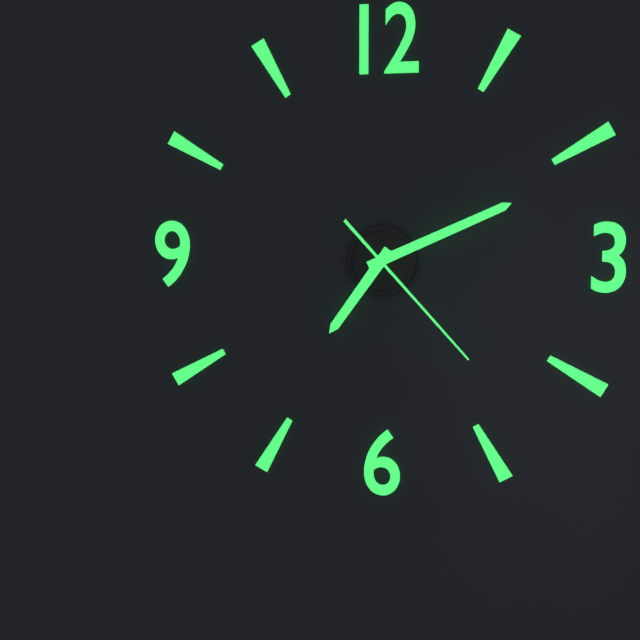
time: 7:11:23
